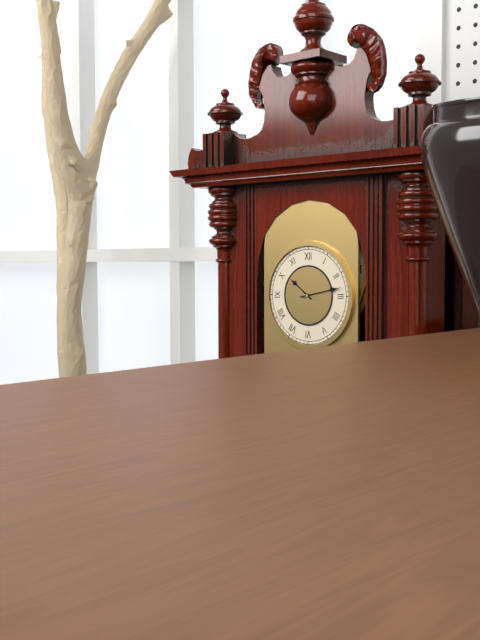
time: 10:13
